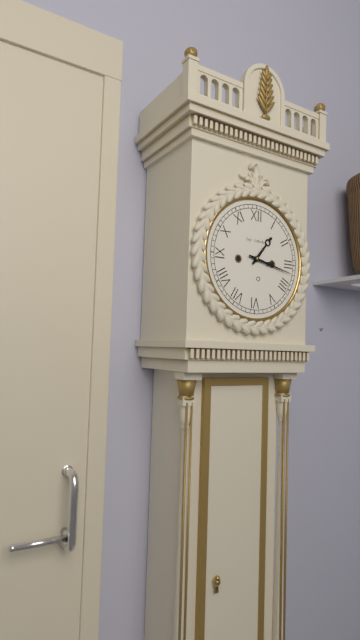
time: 1:17
